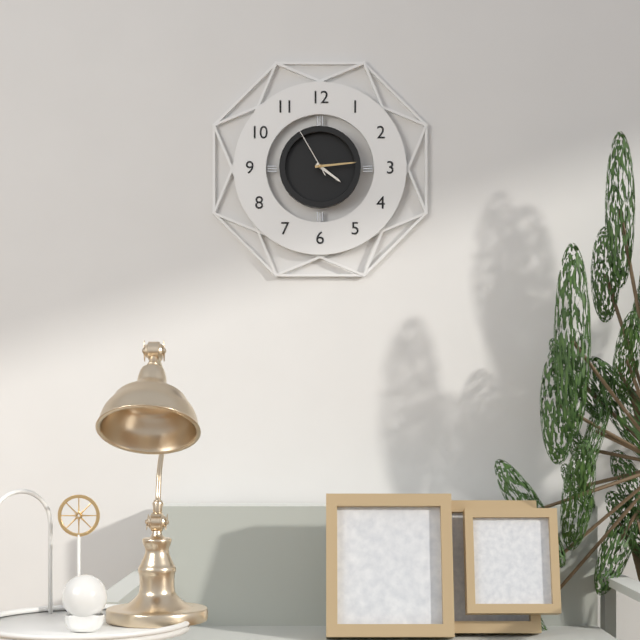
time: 4:14:55
